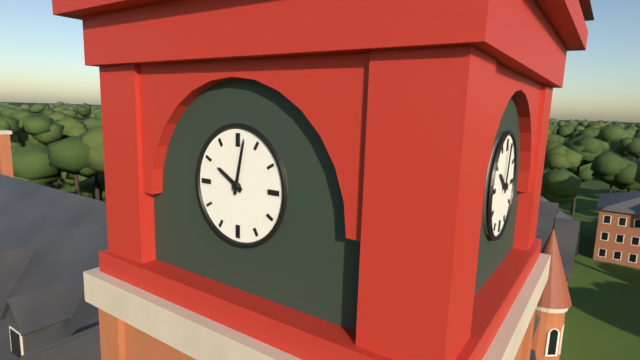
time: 10:02
